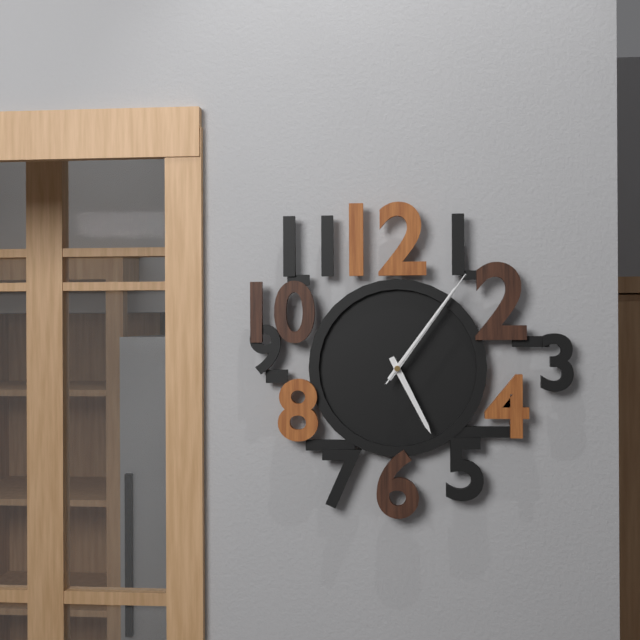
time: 5:06:06
